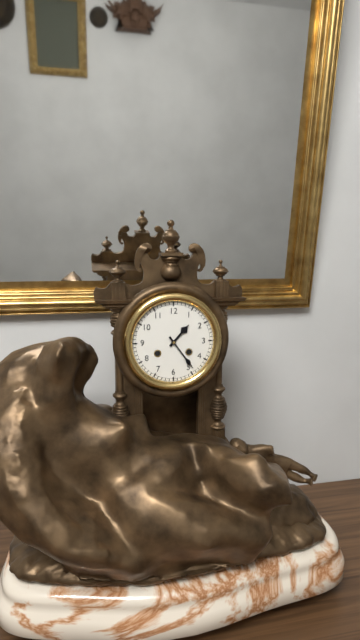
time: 1:24
